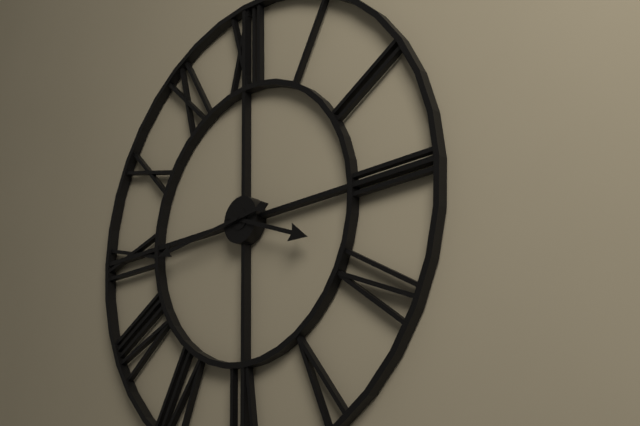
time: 3:44
